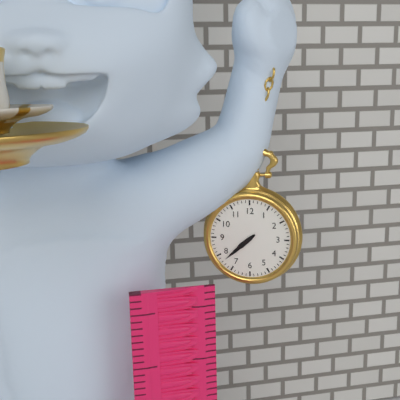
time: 7:38
